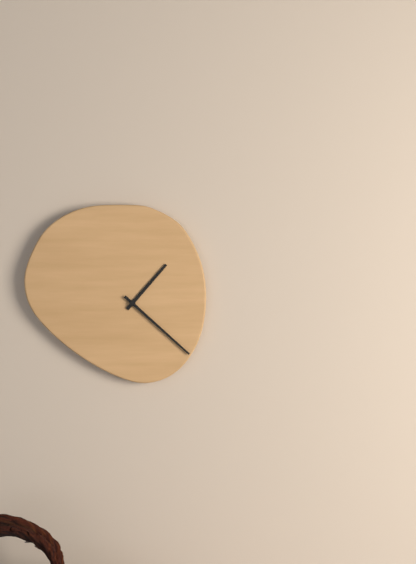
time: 1:22
